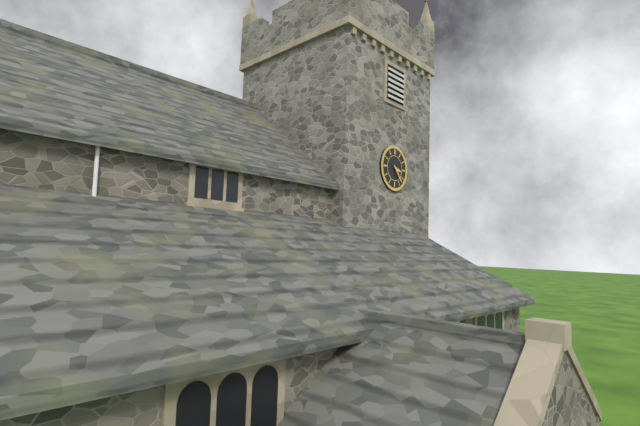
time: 3:23
